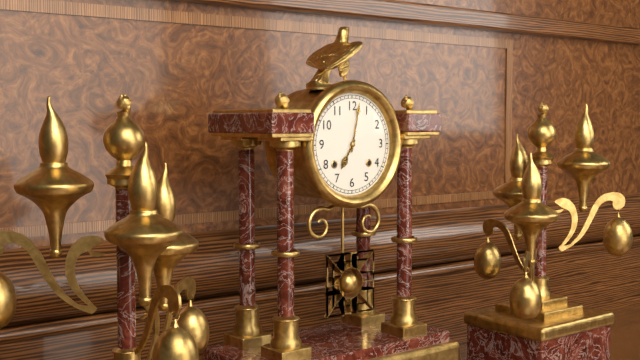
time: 7:02
